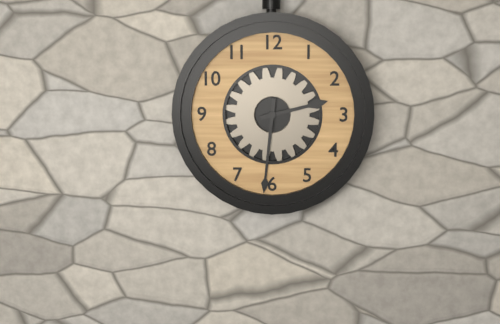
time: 2:31
